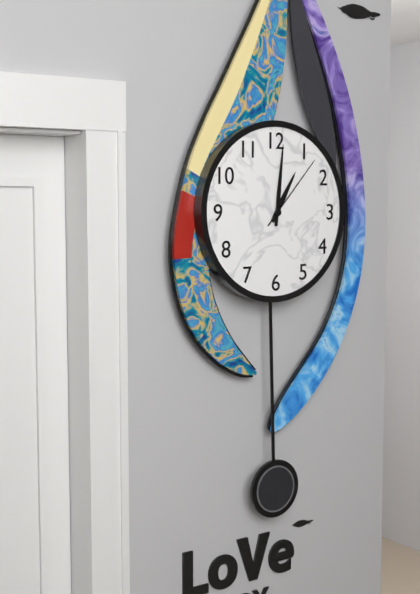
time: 1:01:07
